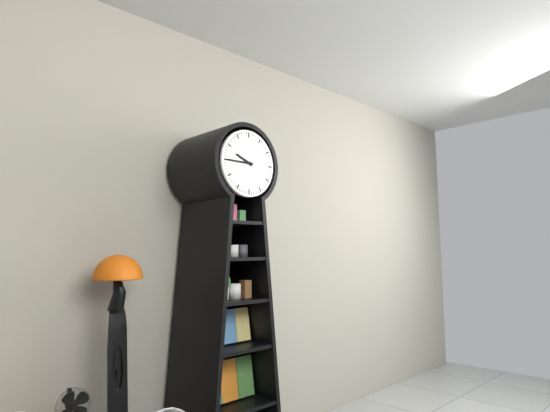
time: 9:45
